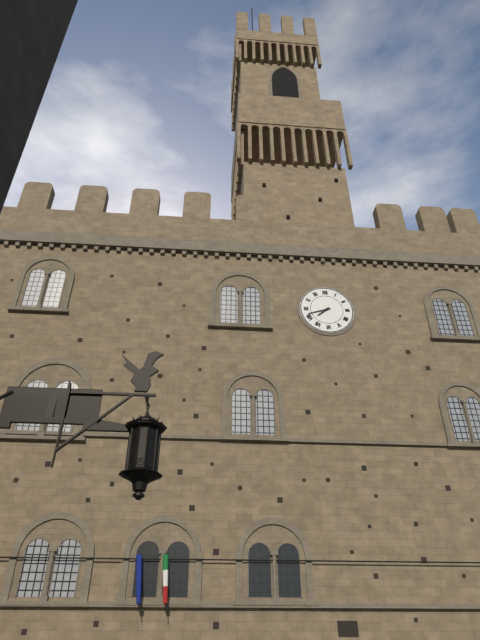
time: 7:42
